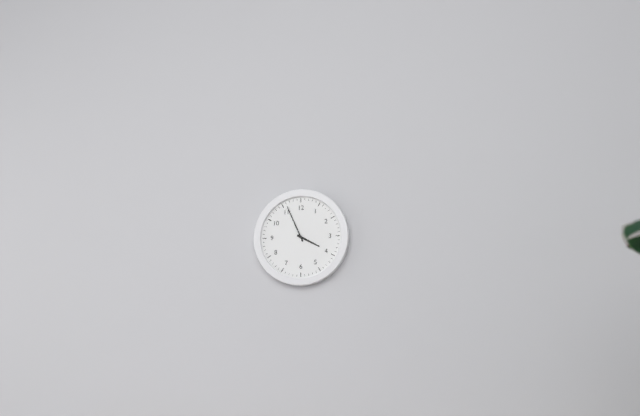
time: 3:56
